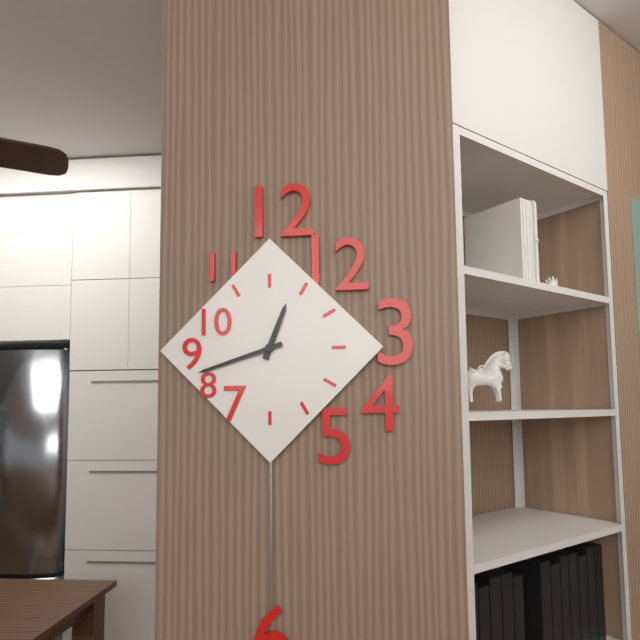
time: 12:42
